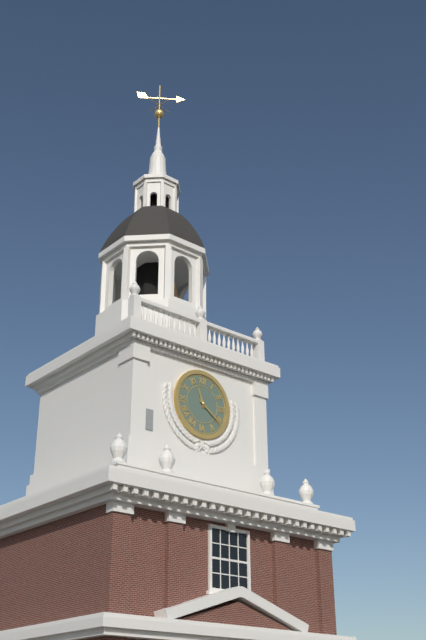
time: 11:21
